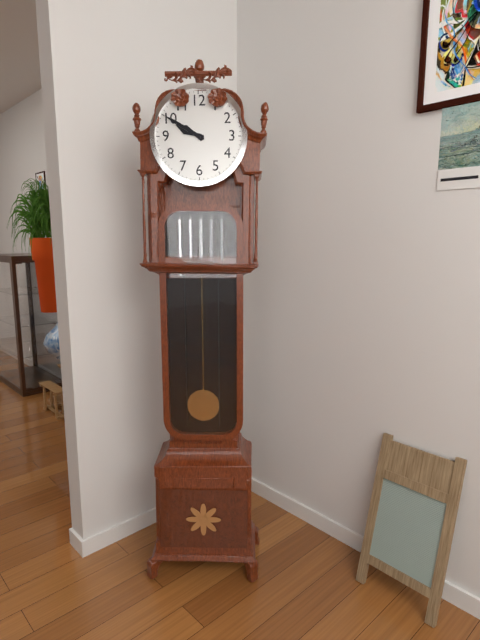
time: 9:50
